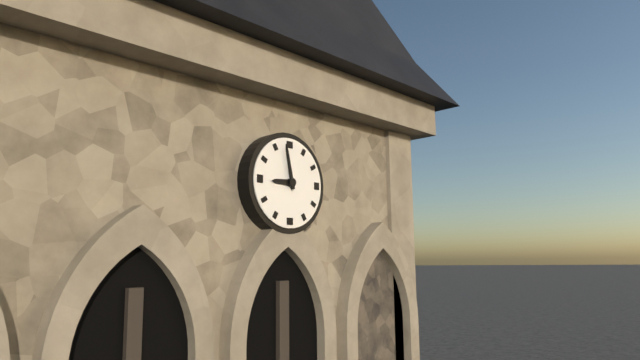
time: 8:58
